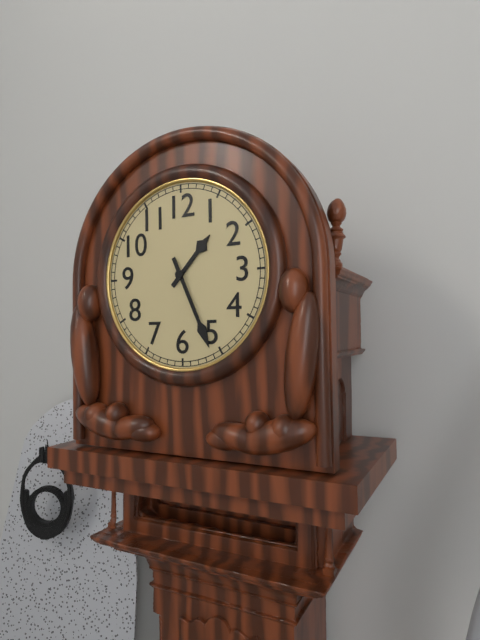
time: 1:26
